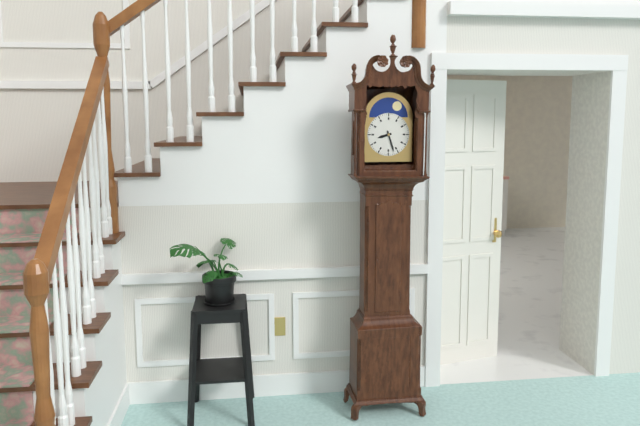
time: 8:27
